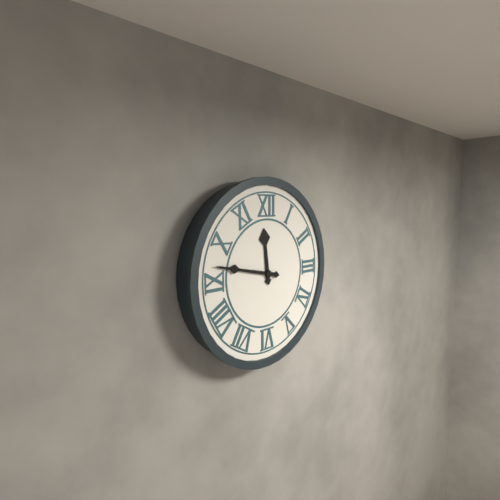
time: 11:47
